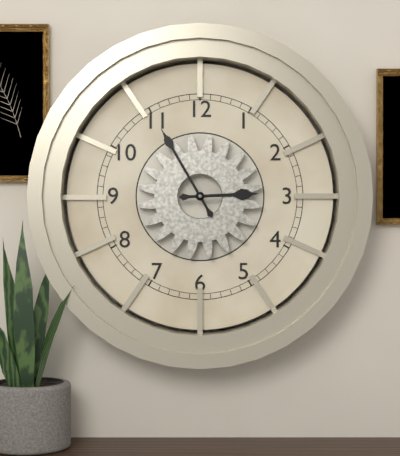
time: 2:55
